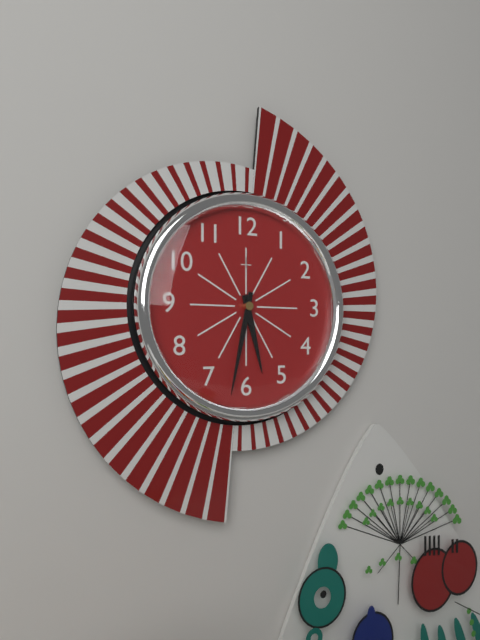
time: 5:32
